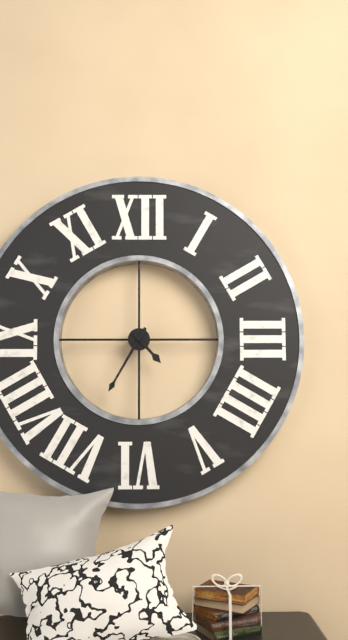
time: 4:35
